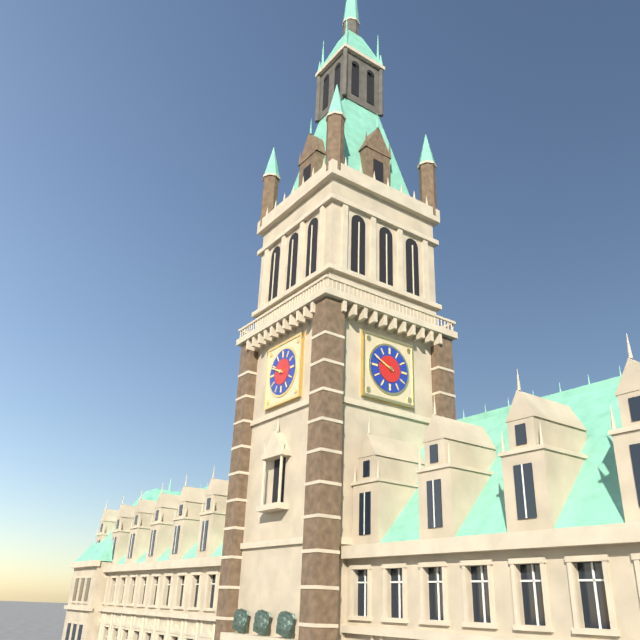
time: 9:49
